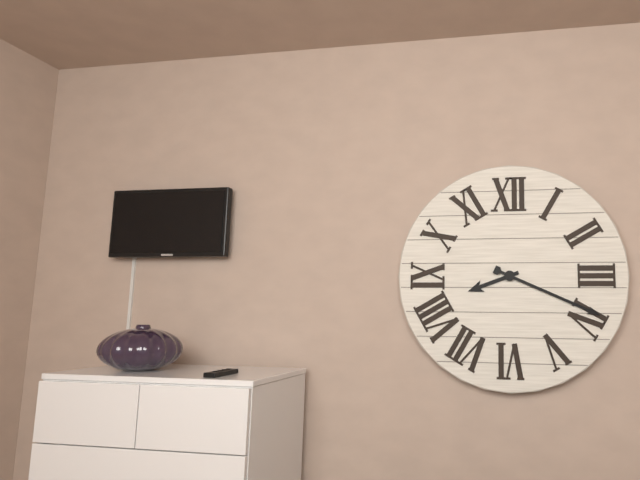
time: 8:19
